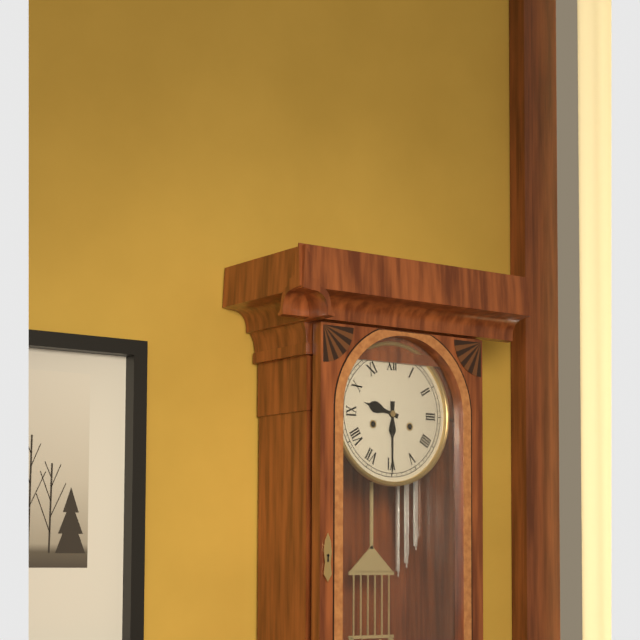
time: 9:30
